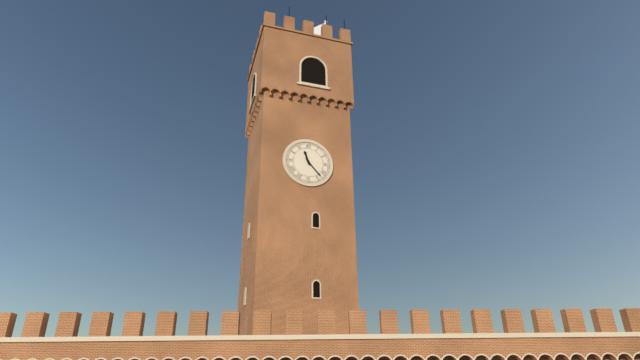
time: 11:23
